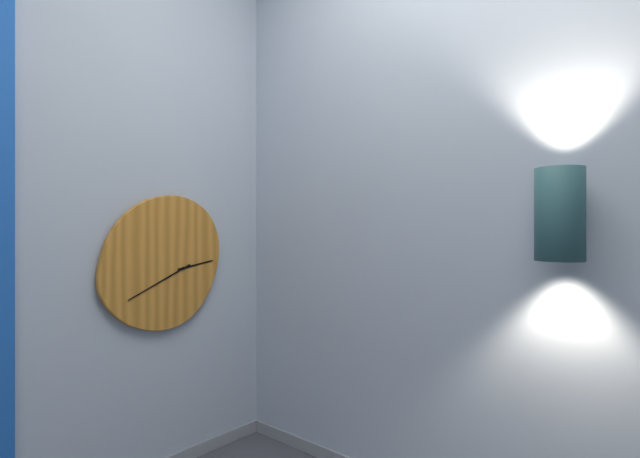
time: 2:41
